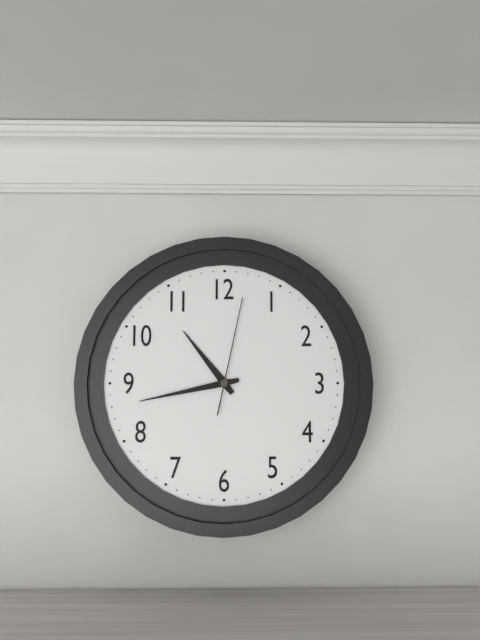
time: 10:43:02
